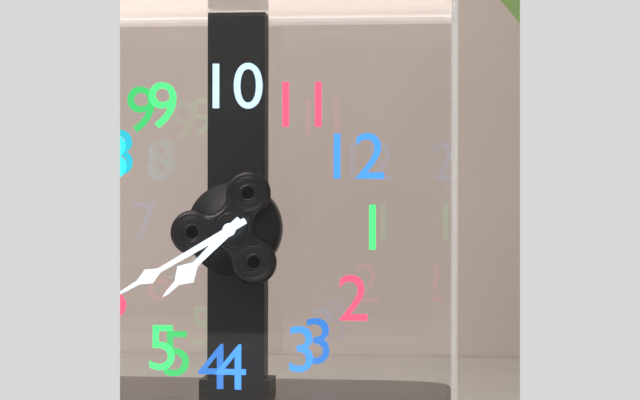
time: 5:30
